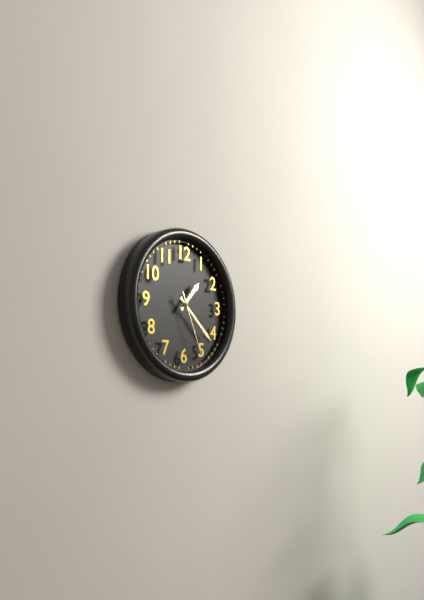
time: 1:22:26
